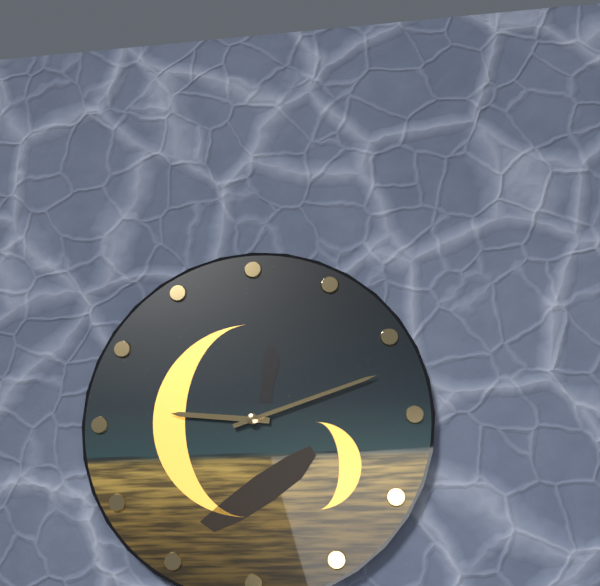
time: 9:12
